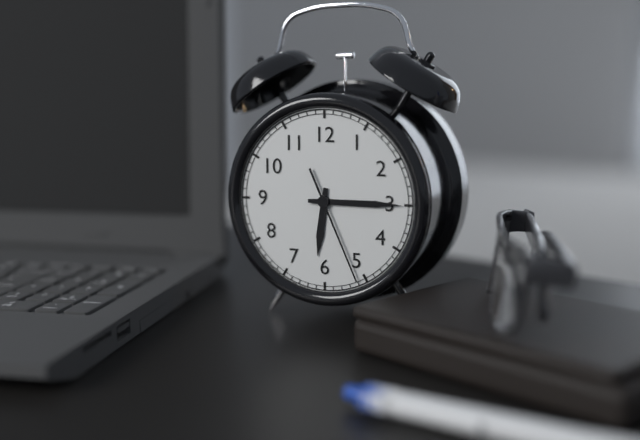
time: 6:15:26
